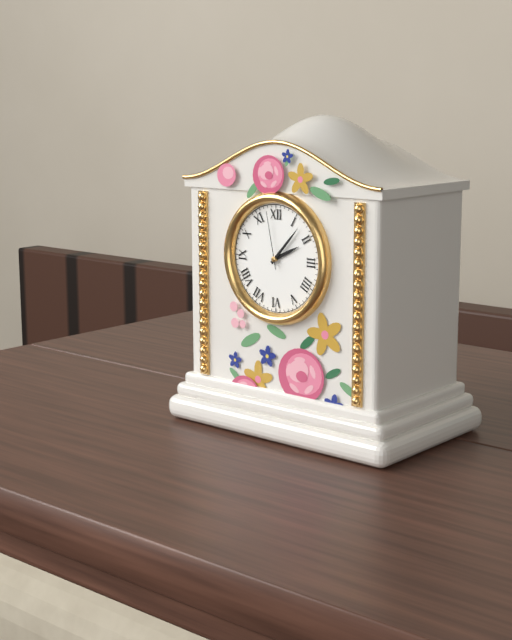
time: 2:07:58
